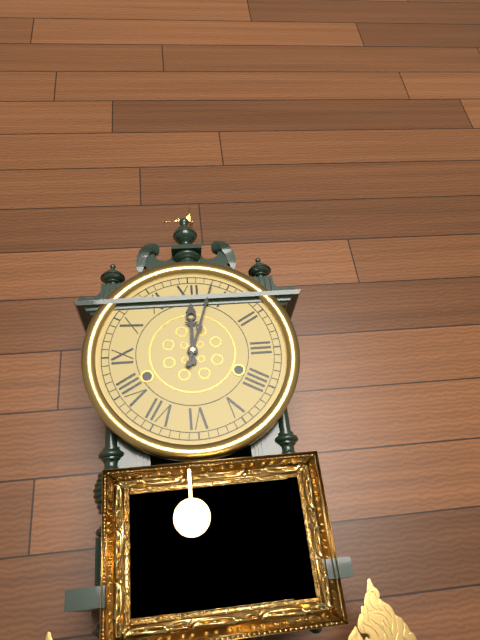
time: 12:03
